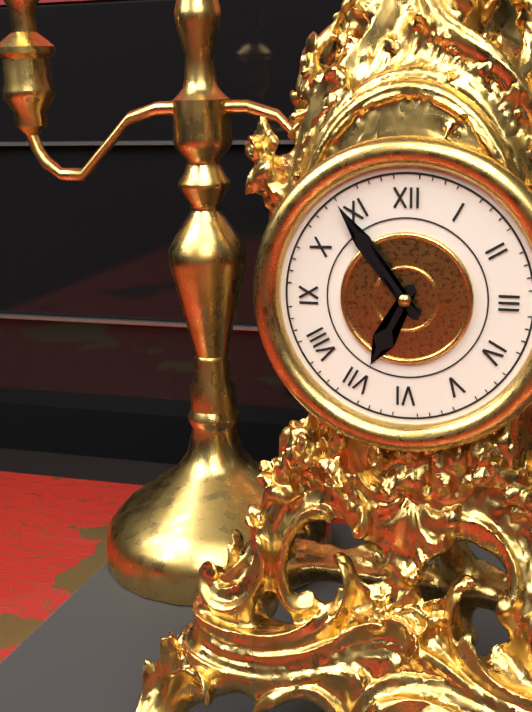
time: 6:54
